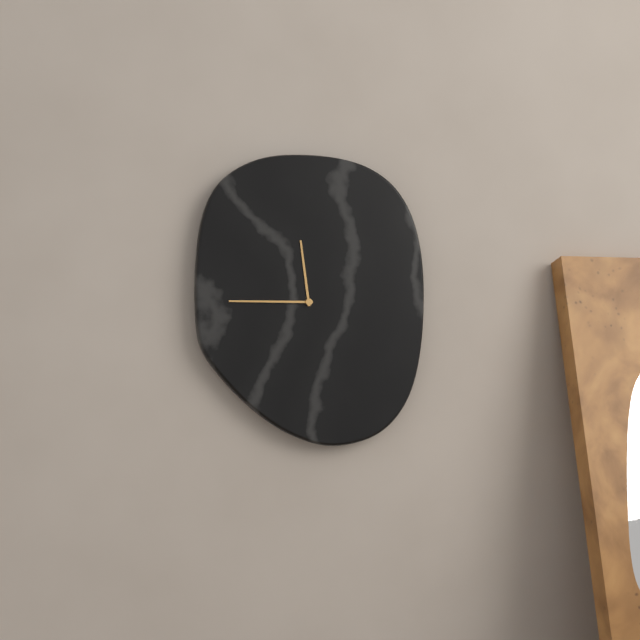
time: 11:45
